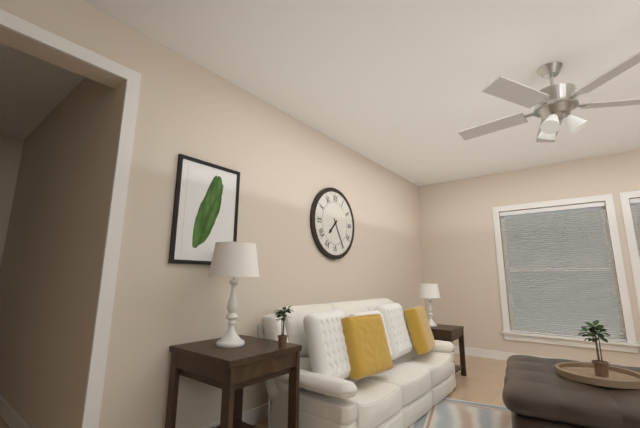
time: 7:25
